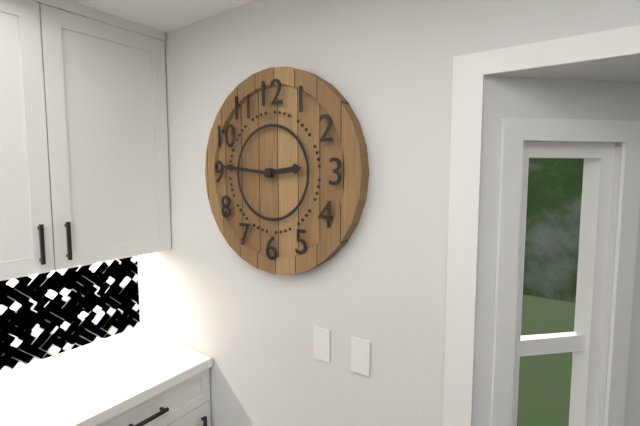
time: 2:46
